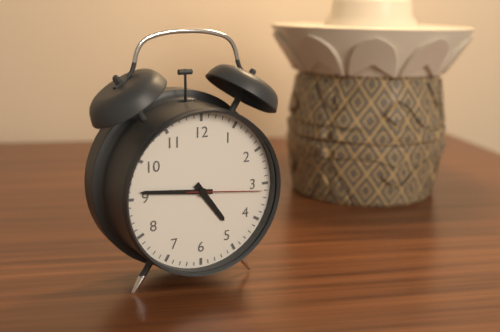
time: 4:46:16
